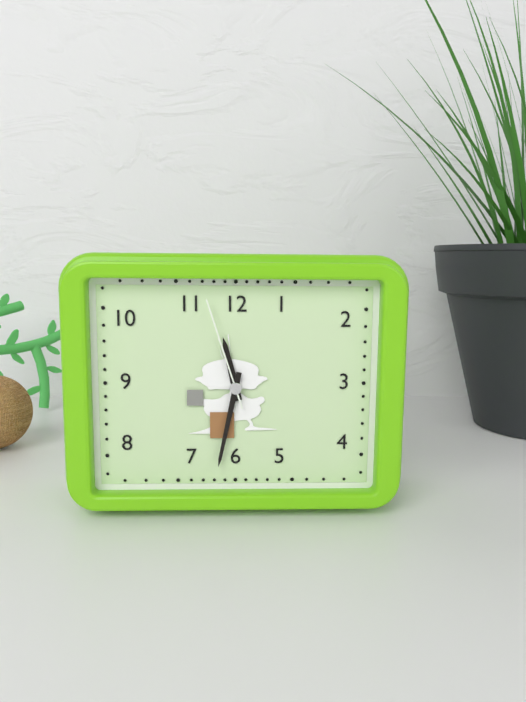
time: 11:32:57
